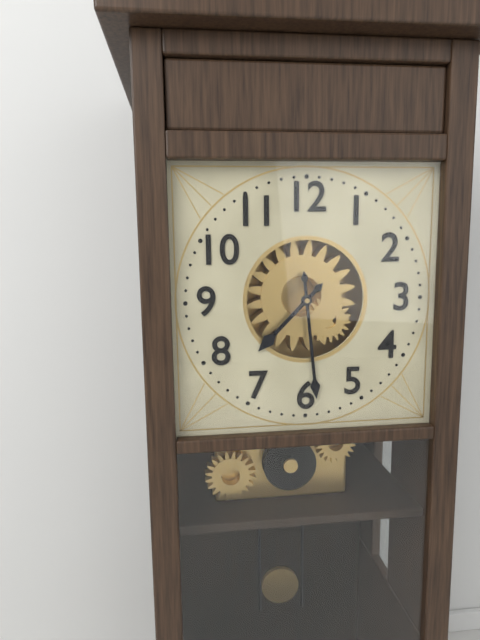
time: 7:29
